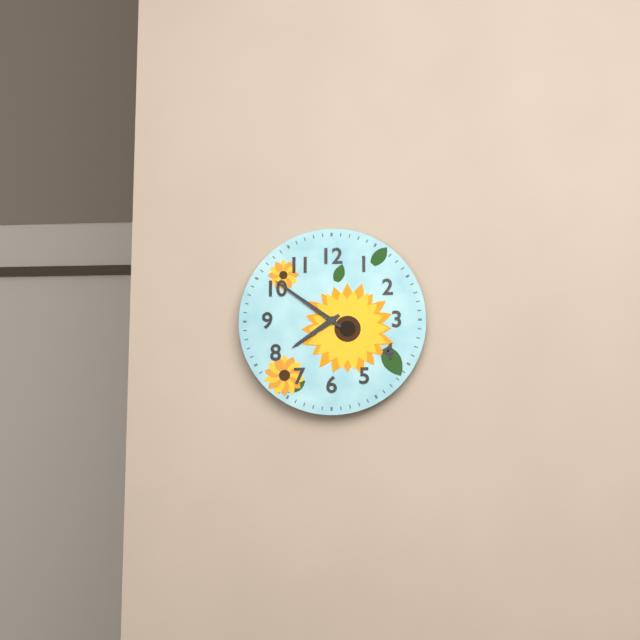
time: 7:51
